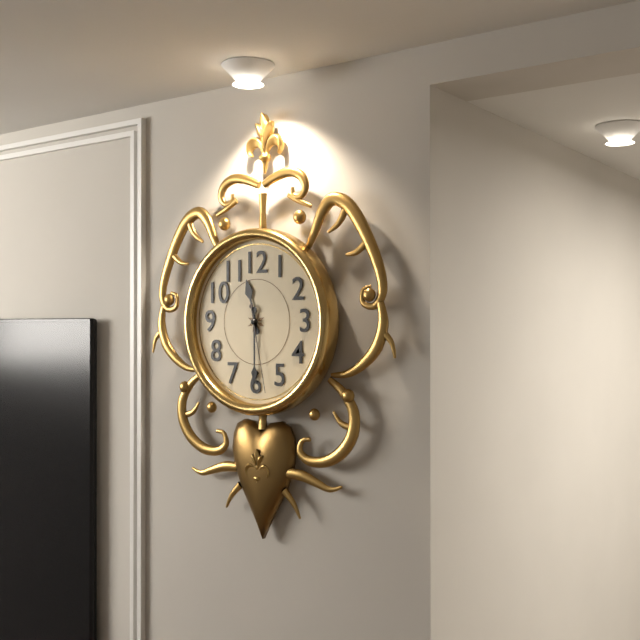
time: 11:30:28
